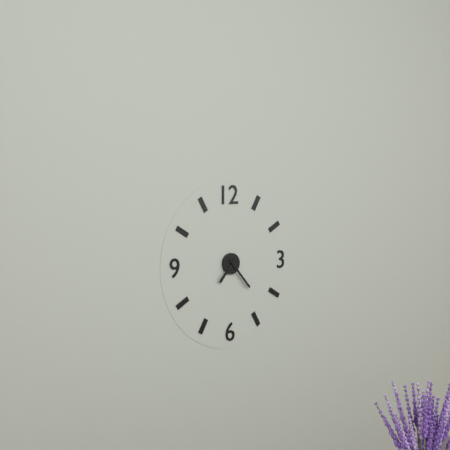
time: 7:23
